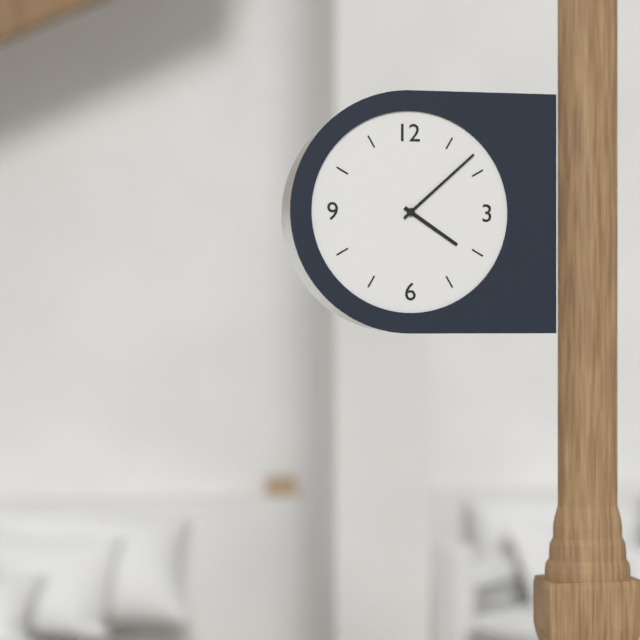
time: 4:08
